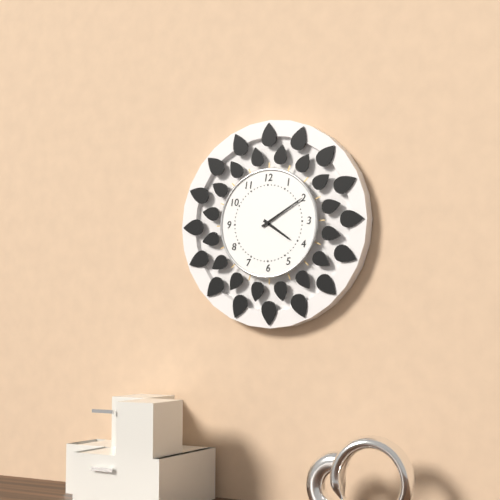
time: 4:10
